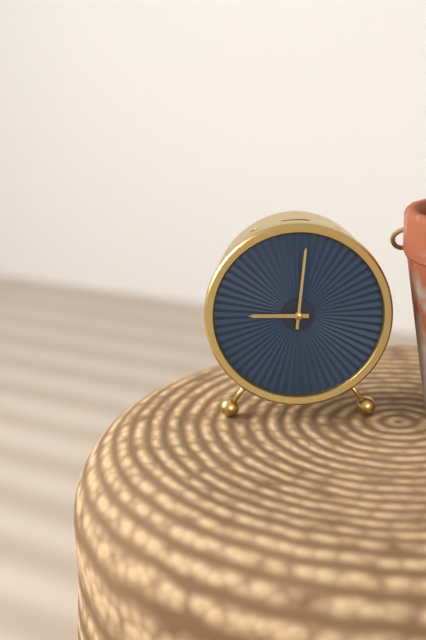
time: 9:01
